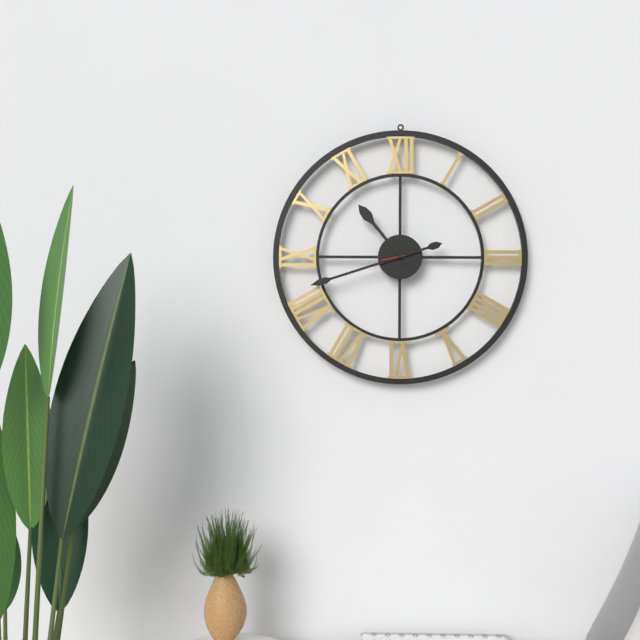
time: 10:42
